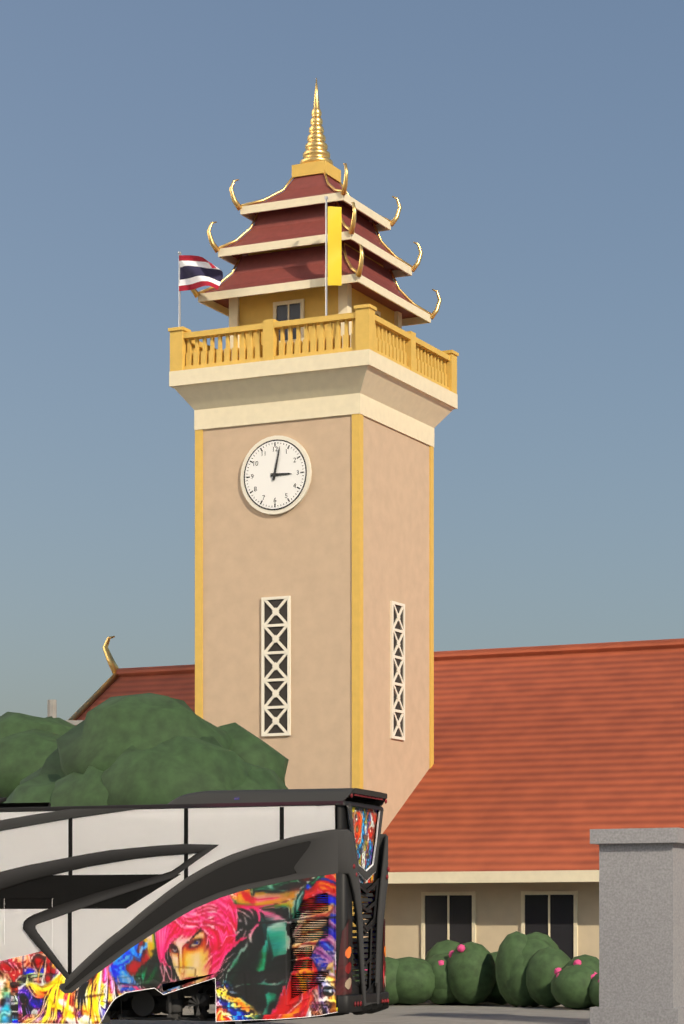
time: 3:02
